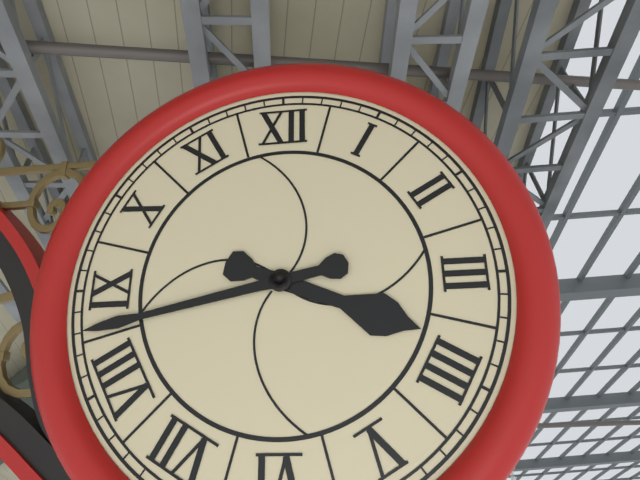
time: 3:43
